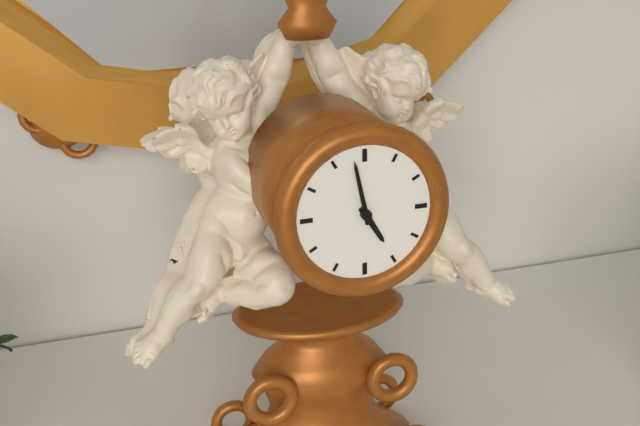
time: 4:58
